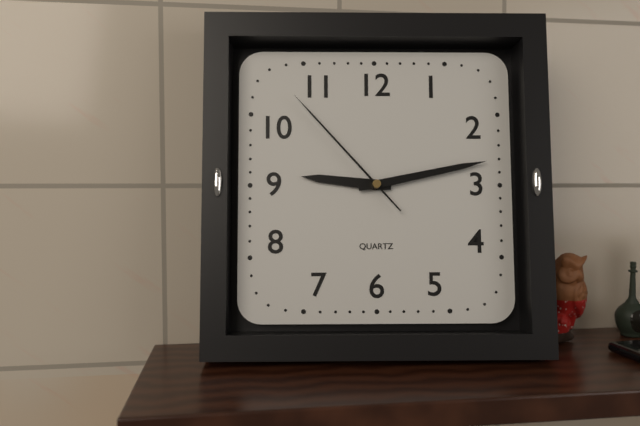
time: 9:13:53
